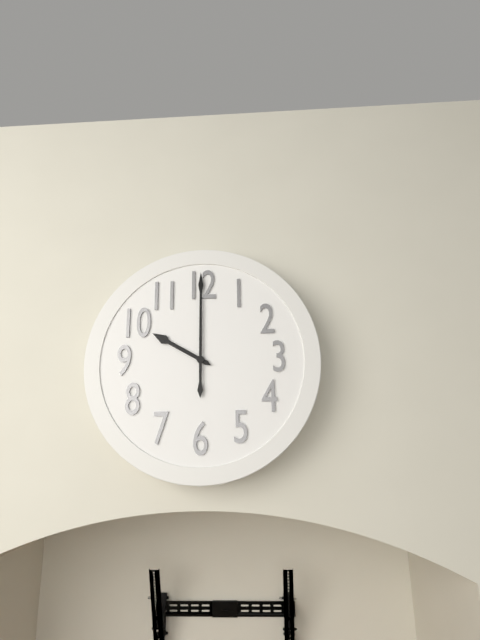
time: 10:00
